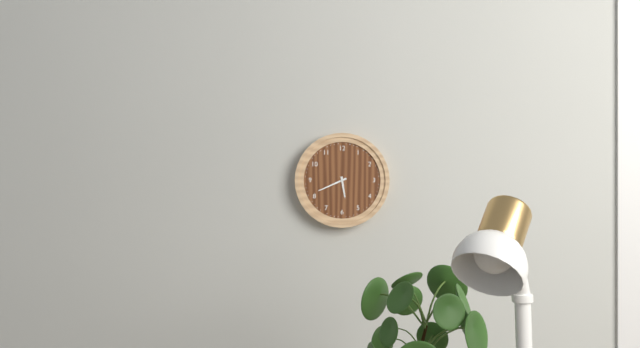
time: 5:41
